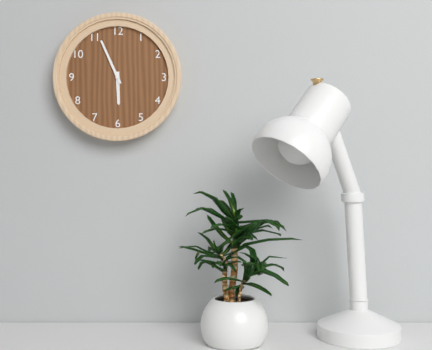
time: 5:56
